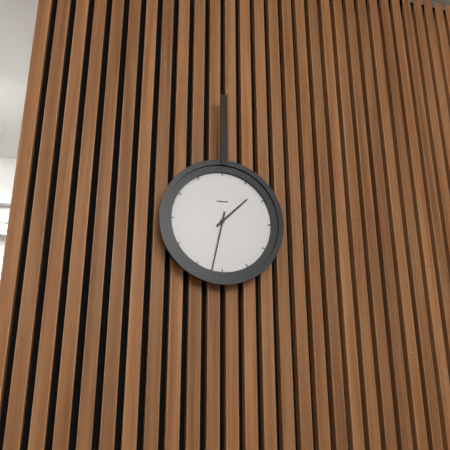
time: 1:32
